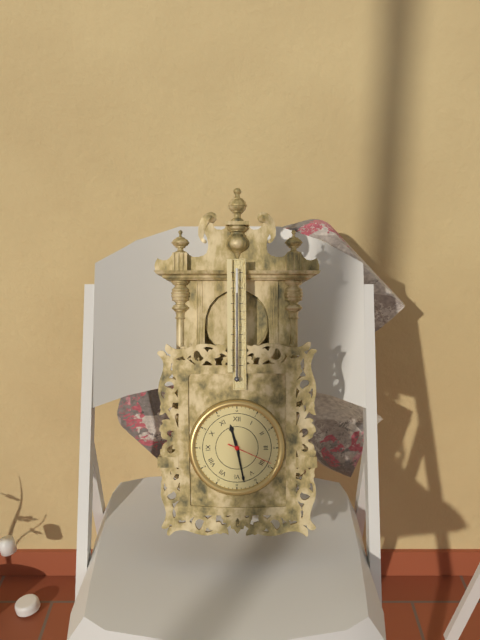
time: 11:28
